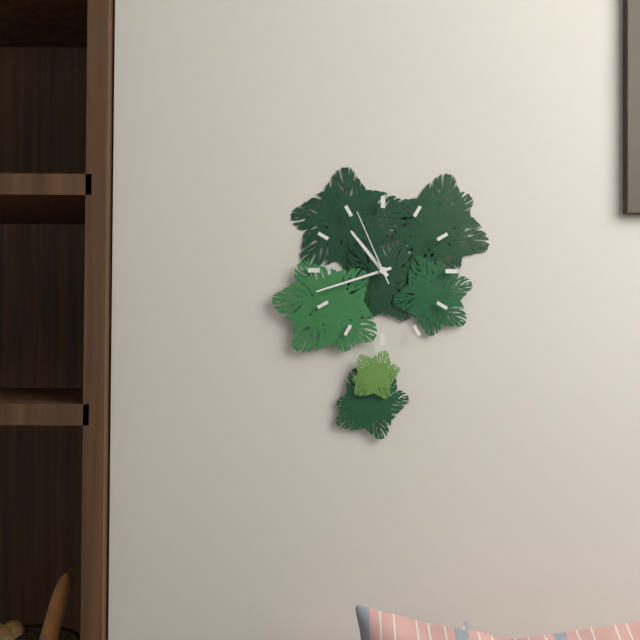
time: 10:42:56
